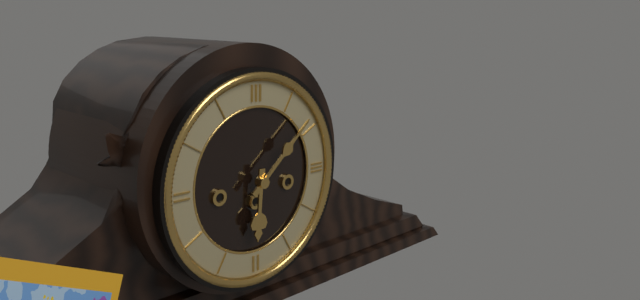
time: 6:08
